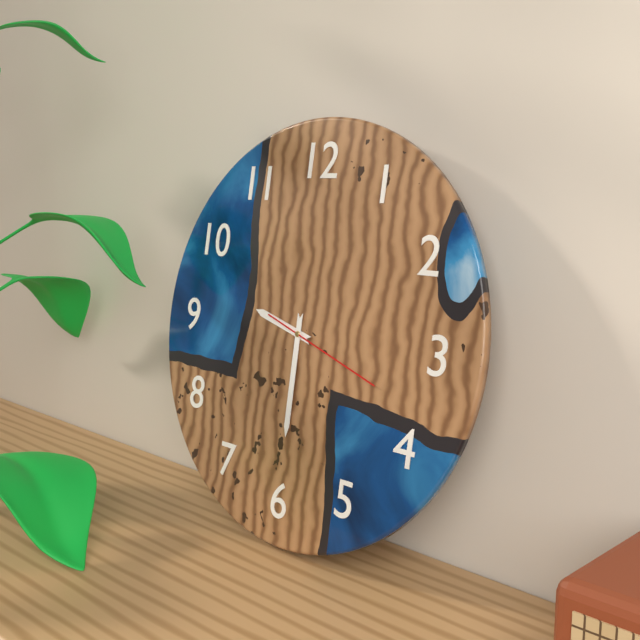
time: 9:30:18
